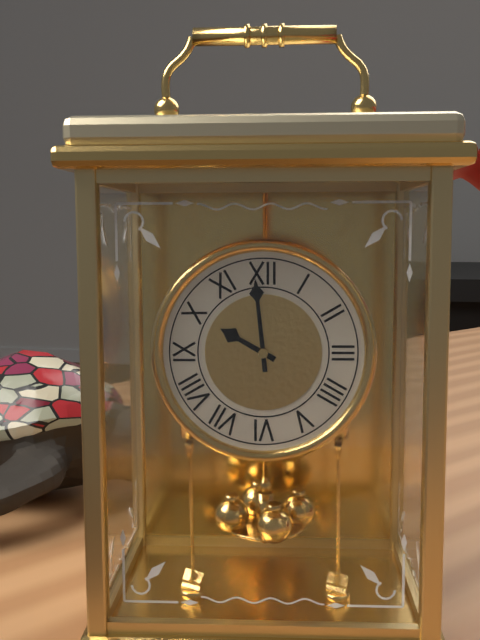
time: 9:59
